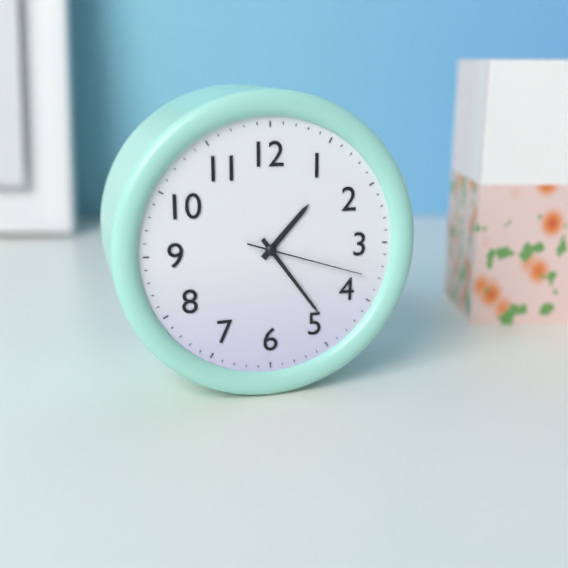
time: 1:24:18
